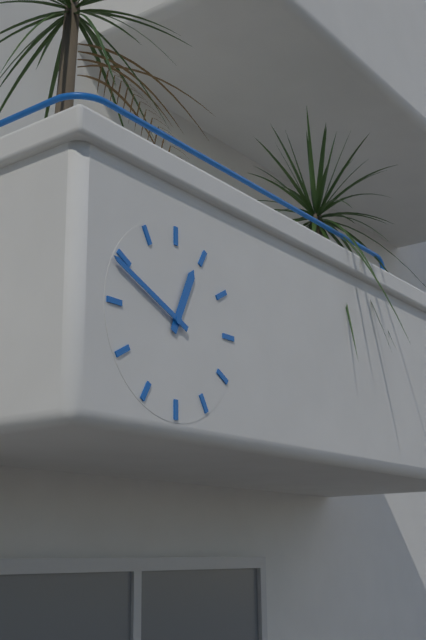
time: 12:49
